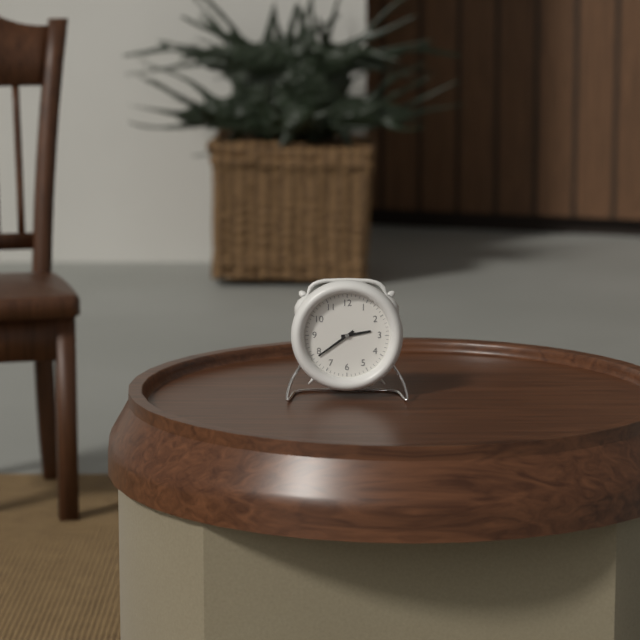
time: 2:39
